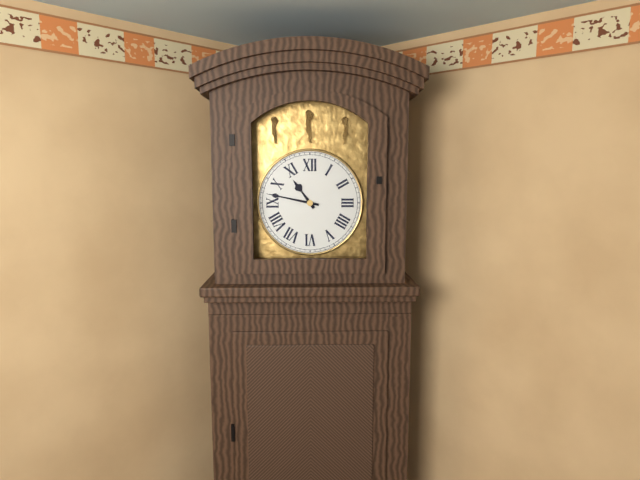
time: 10:47
